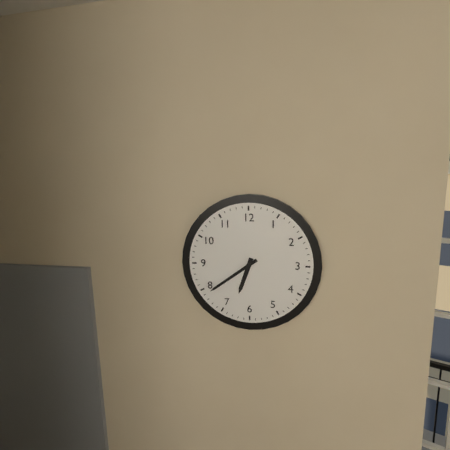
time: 6:39
